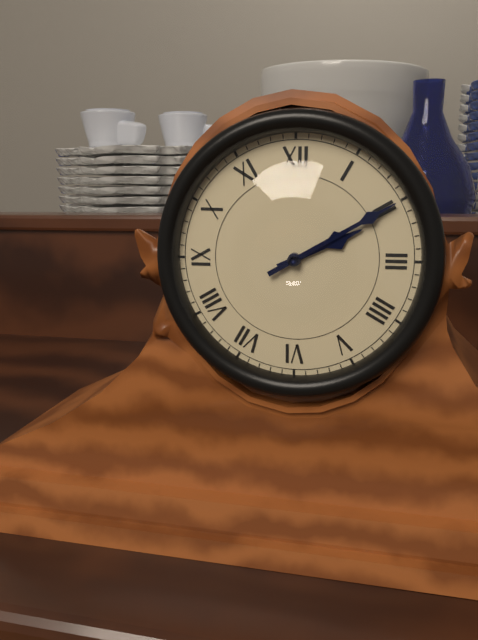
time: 2:10
